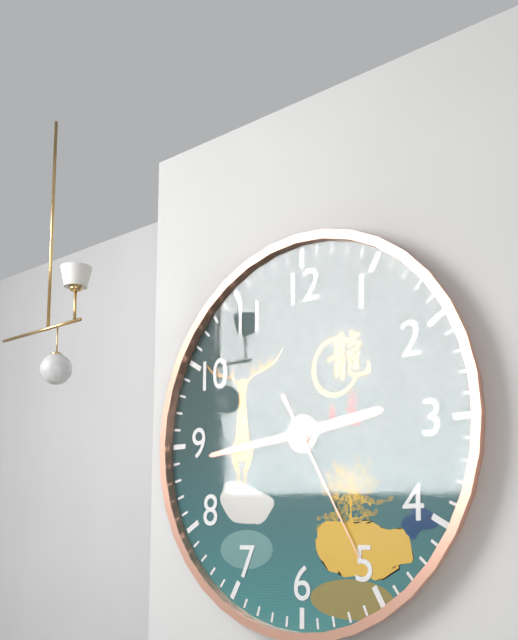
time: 2:44:25
